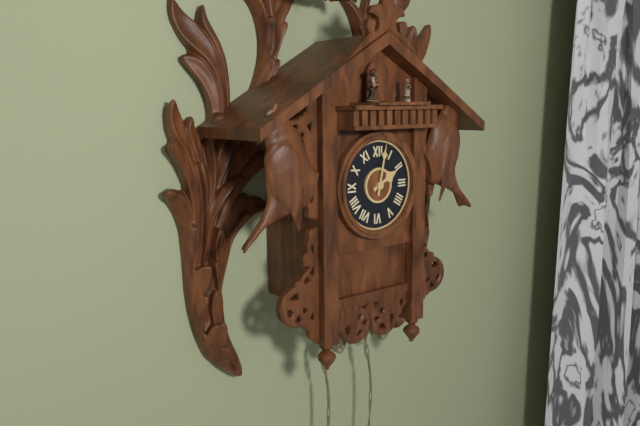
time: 2:02
